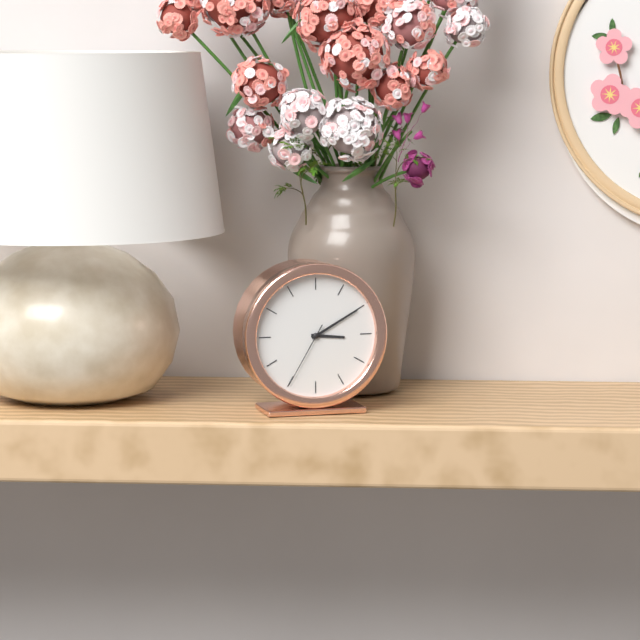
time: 3:10:35
